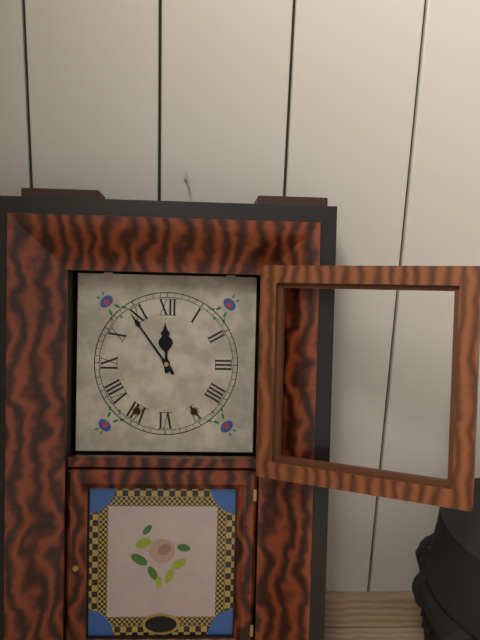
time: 11:54
